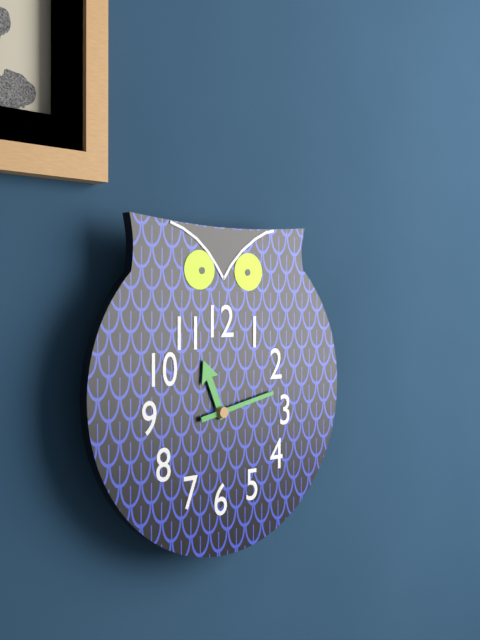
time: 11:13
